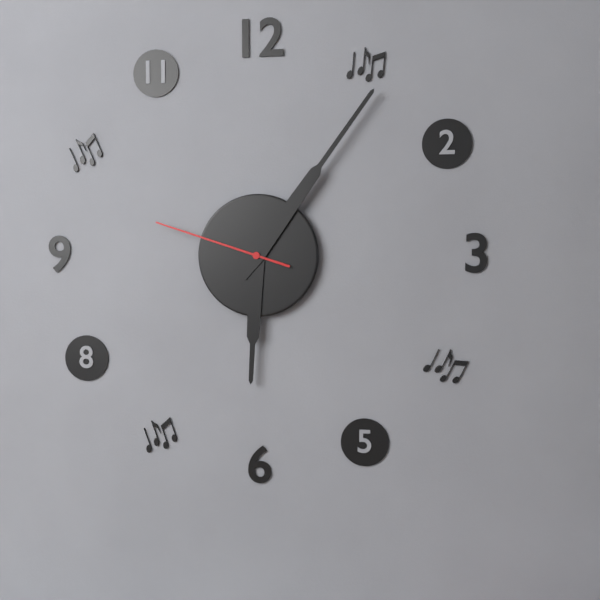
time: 6:06:48
